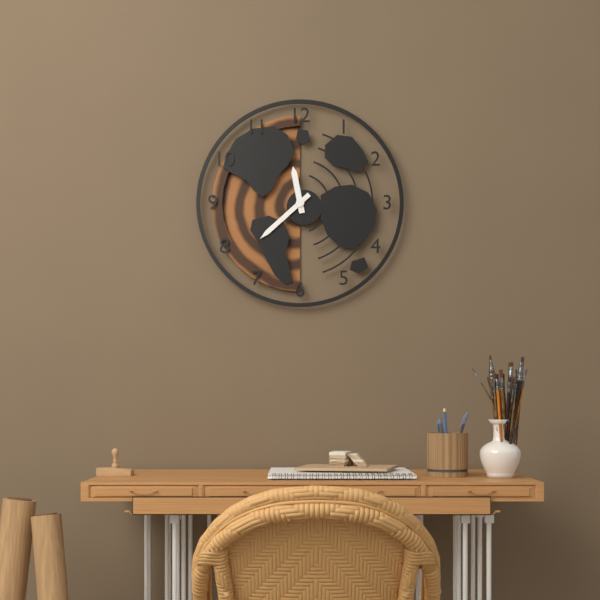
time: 11:38
